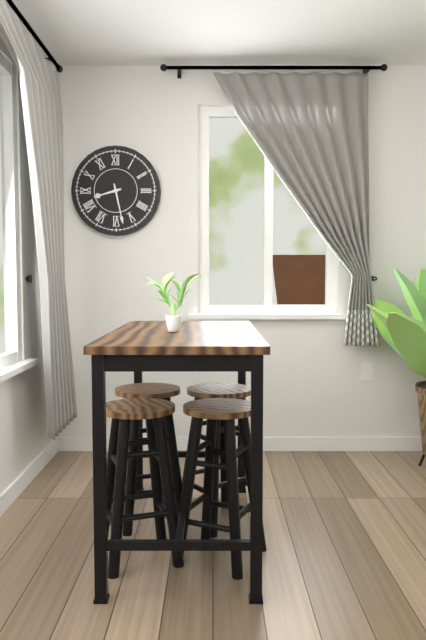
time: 8:28
